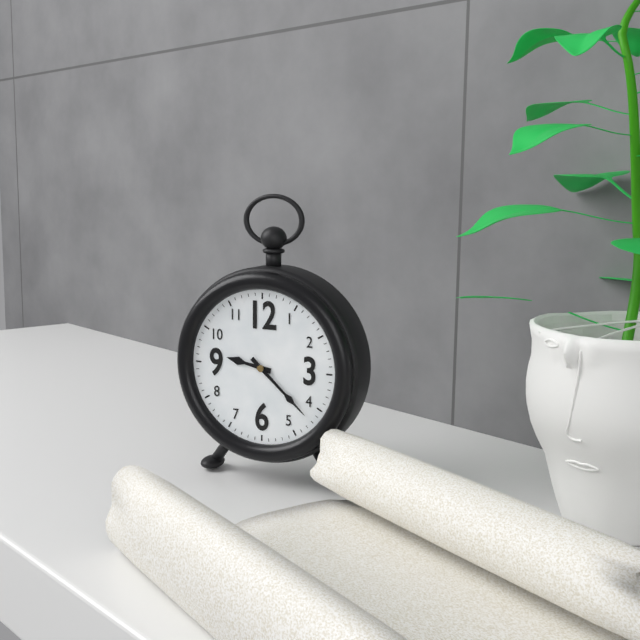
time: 9:22
